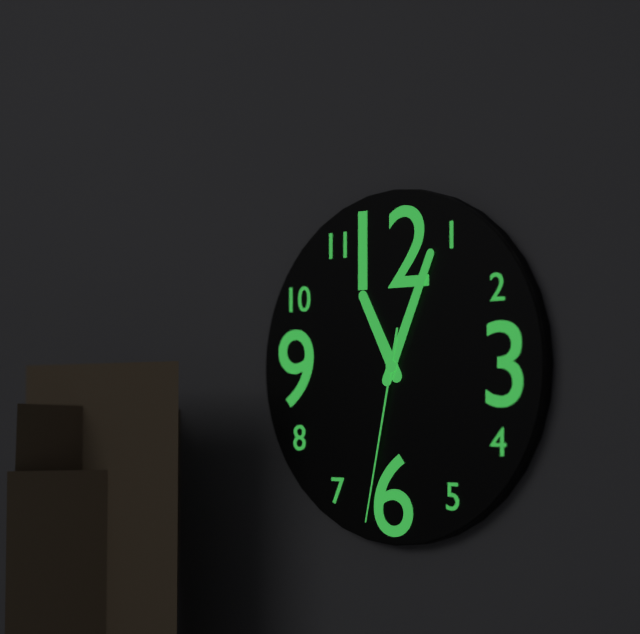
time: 11:04:32
